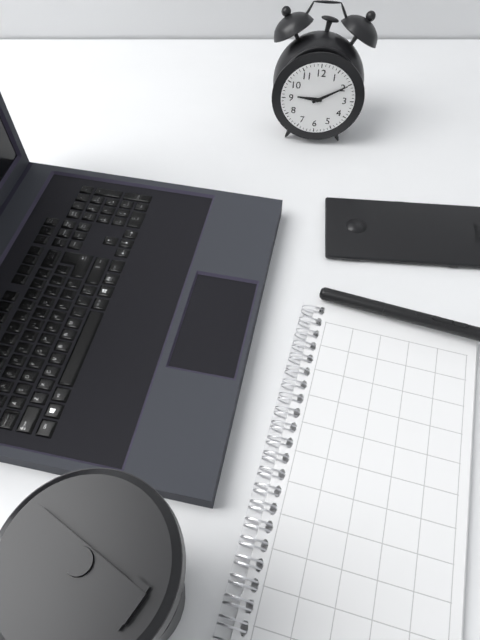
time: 9:10
